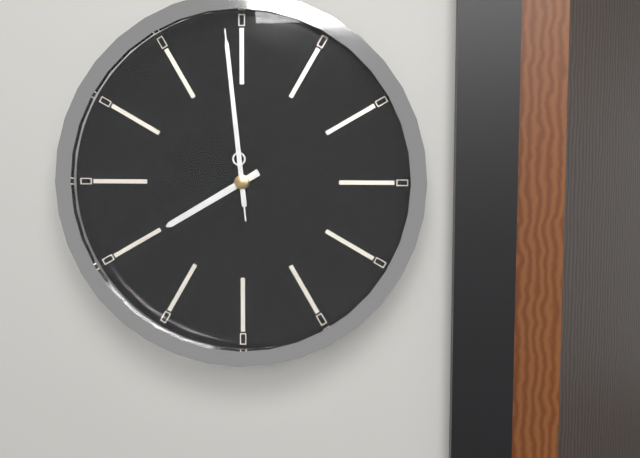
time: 7:59:59
